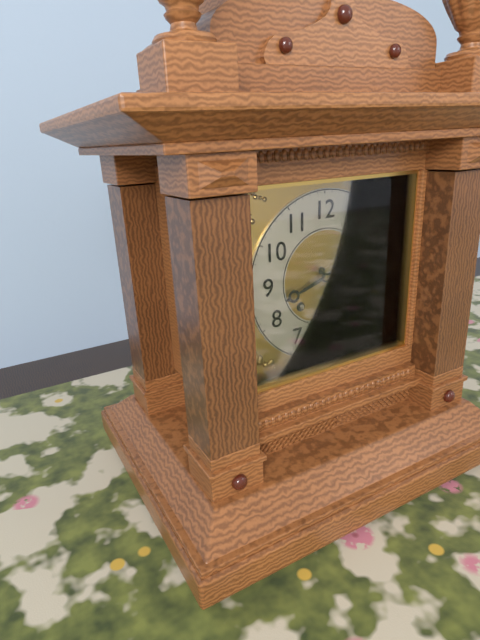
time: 8:24
